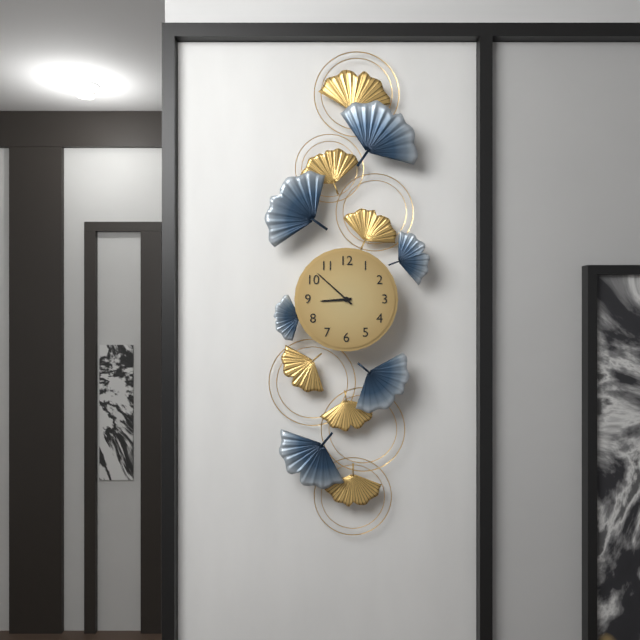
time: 8:52
